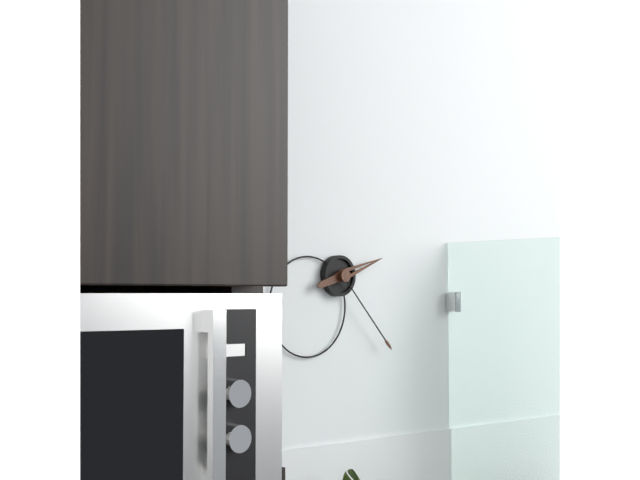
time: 2:23
